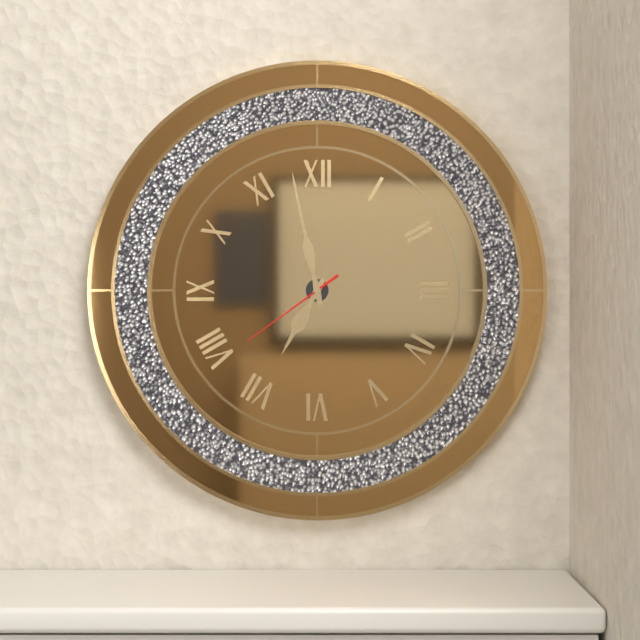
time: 6:58:39
